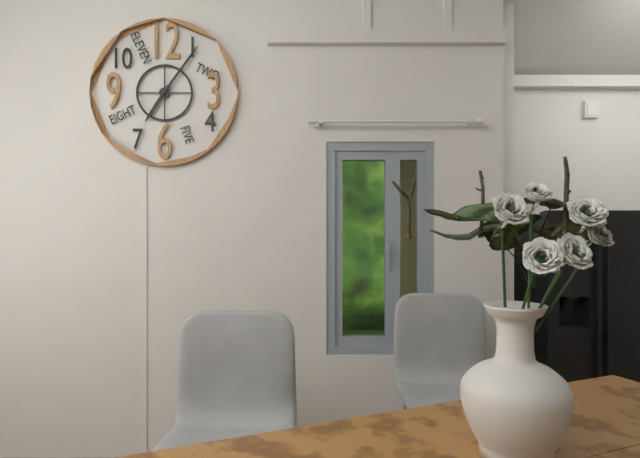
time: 7:06
